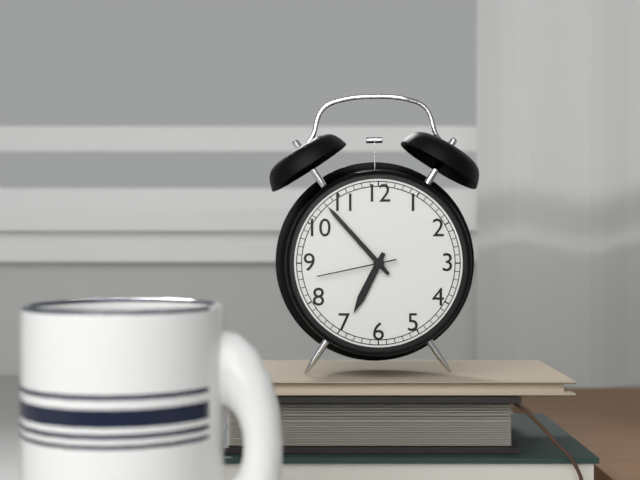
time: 6:53:43
